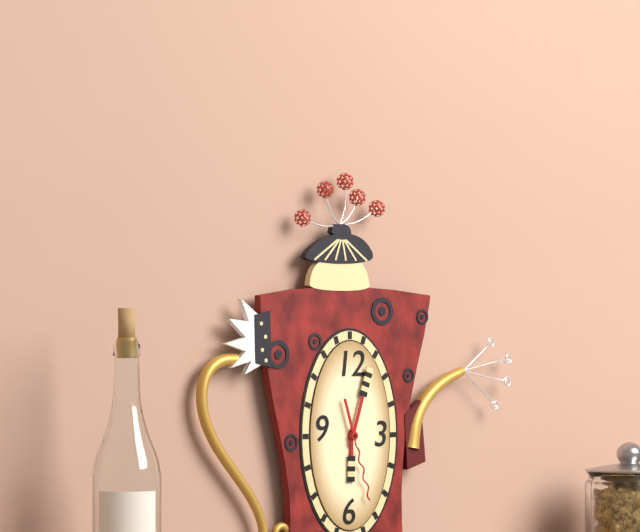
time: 6:03:27
